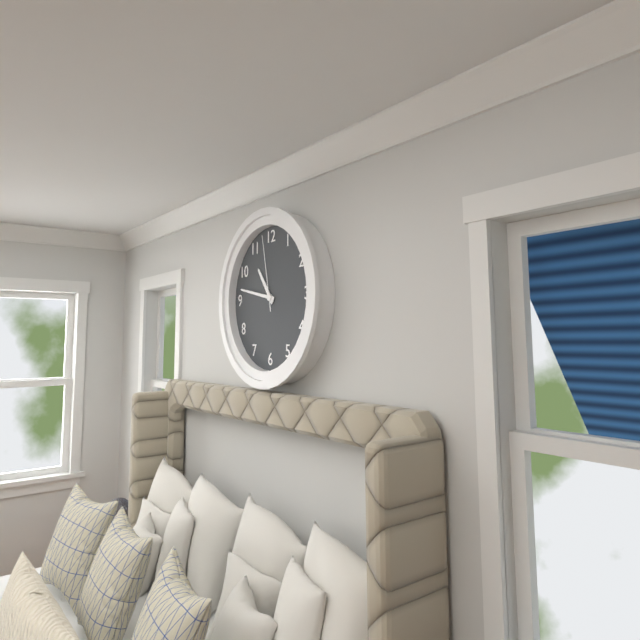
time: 10:47:58
